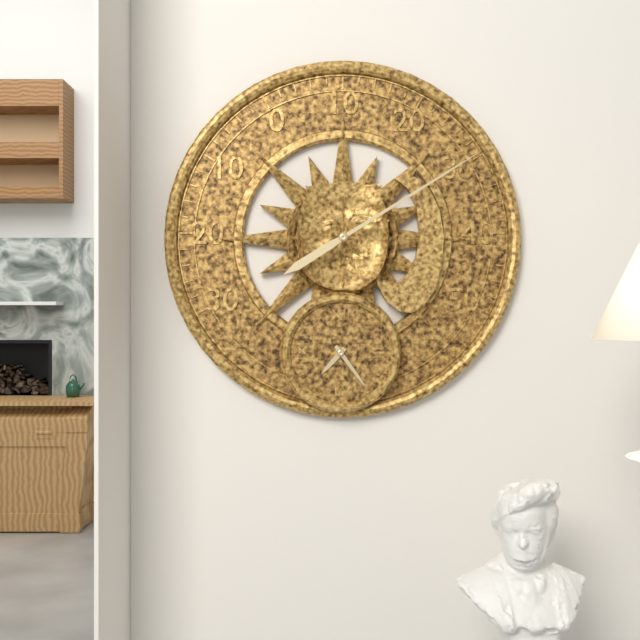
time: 7:24
